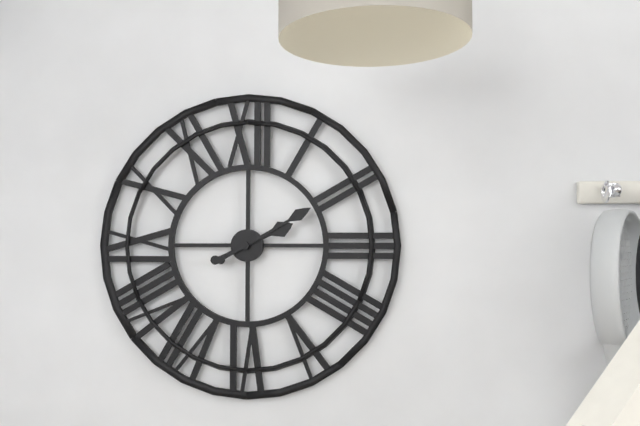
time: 2:10
